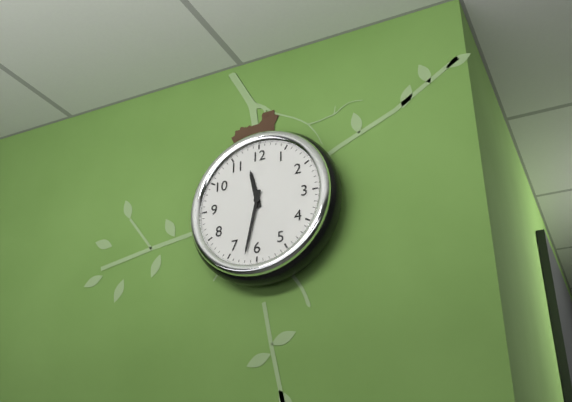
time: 11:32
